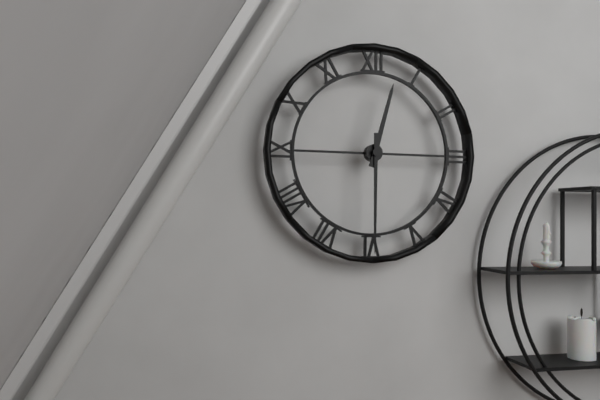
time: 12:30
